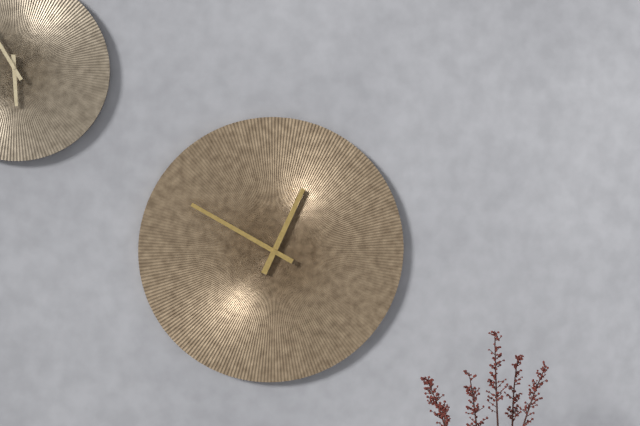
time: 12:50
